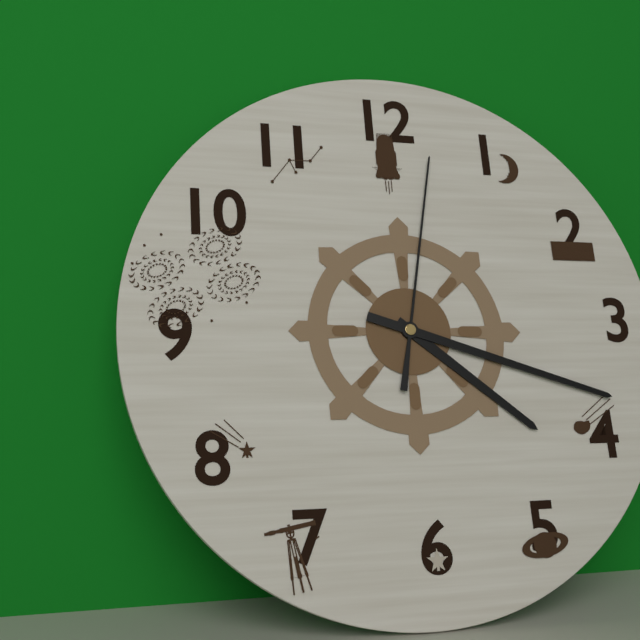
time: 4:18:02
